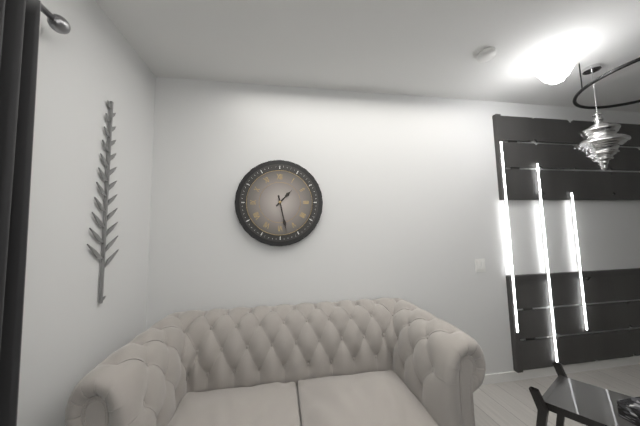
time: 1:28
